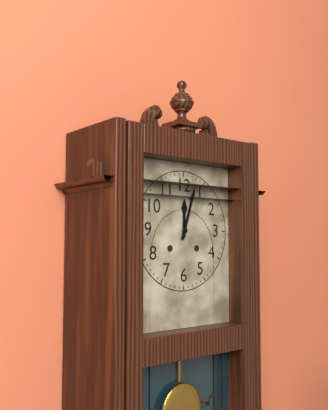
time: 12:03
